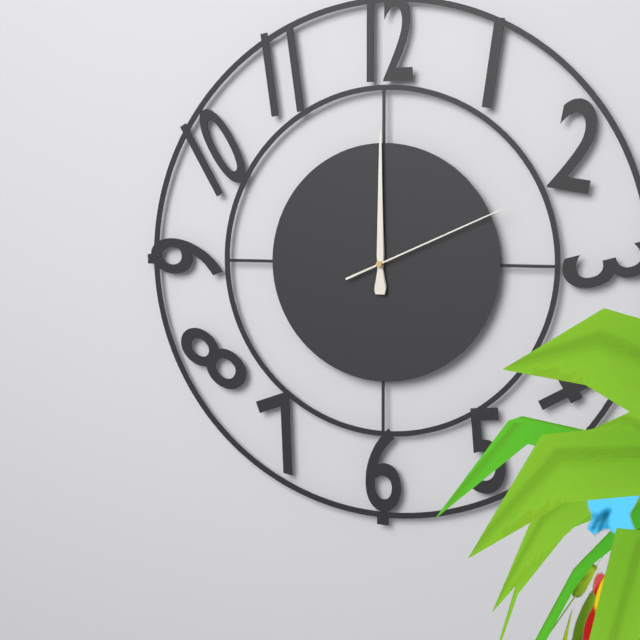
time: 12:00:11
